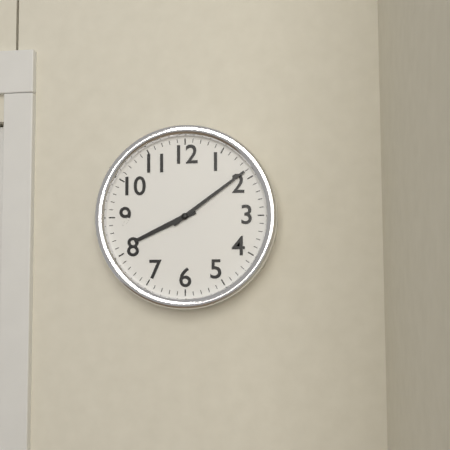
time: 8:09
